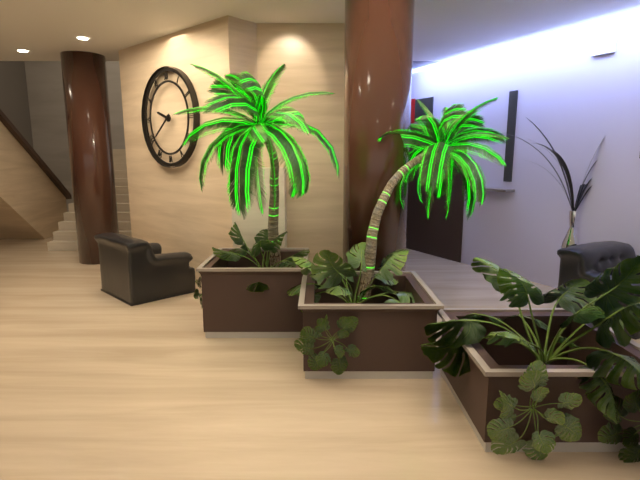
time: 9:39
